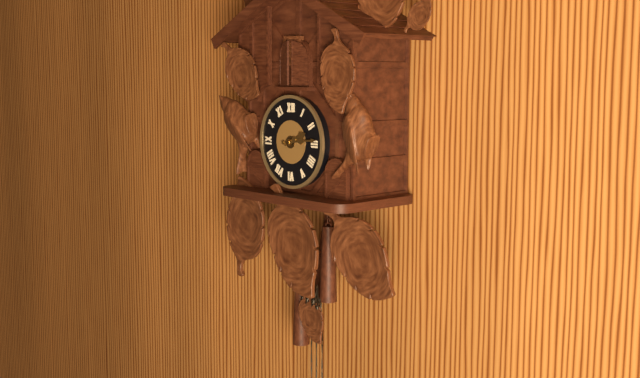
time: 2:14
